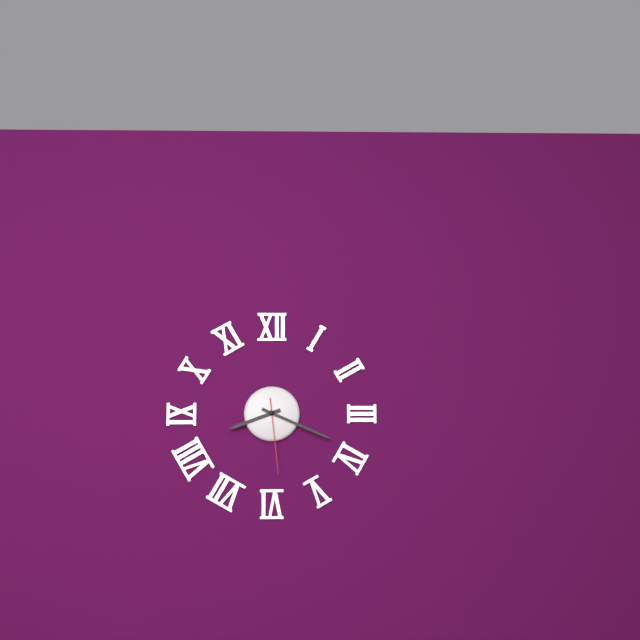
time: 8:19:29
